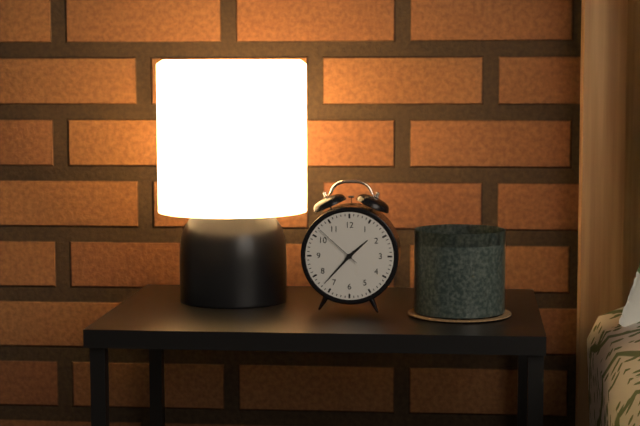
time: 1:37
